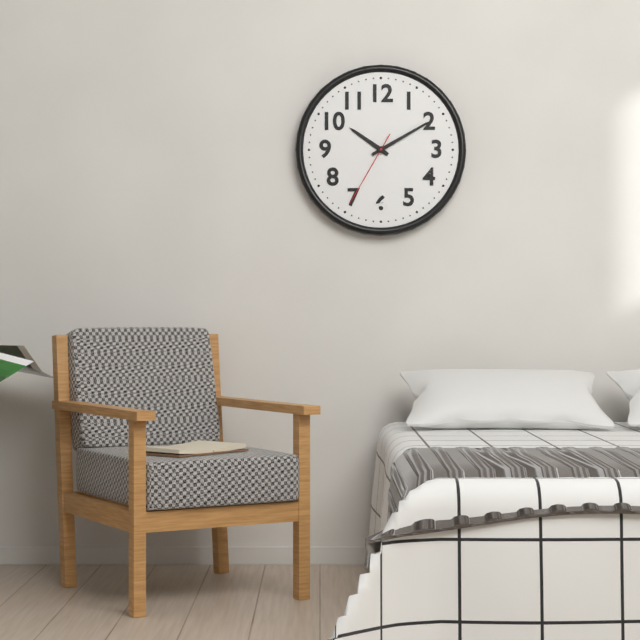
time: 10:10:35
